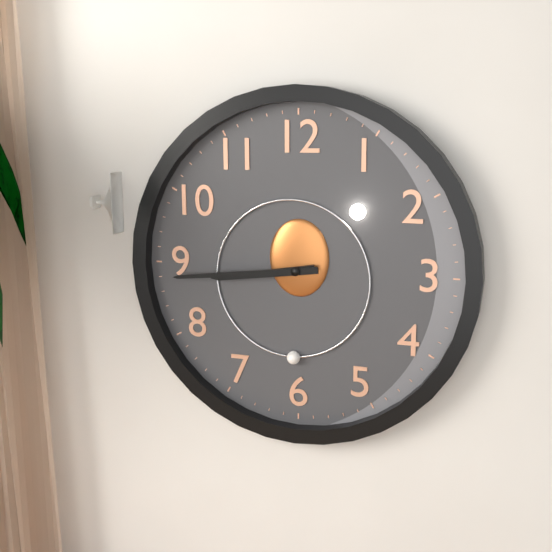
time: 8:44
